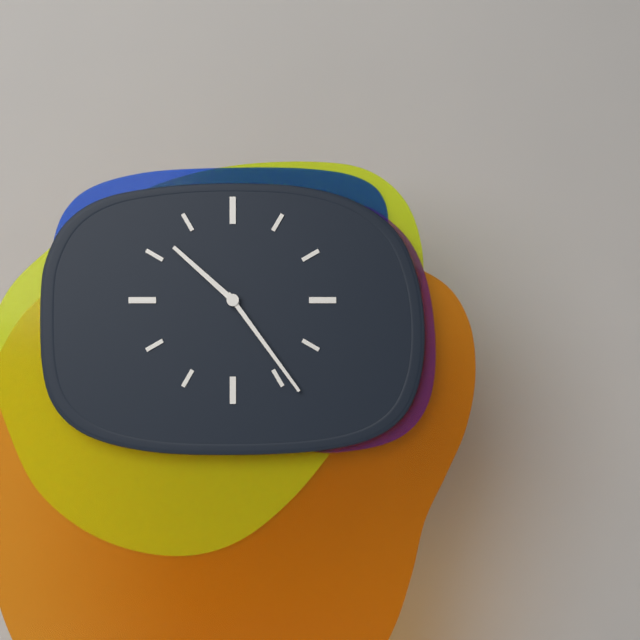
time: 10:24
